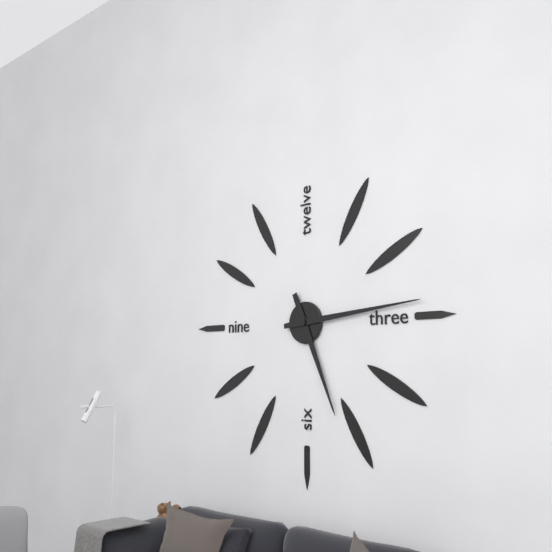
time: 5:14
